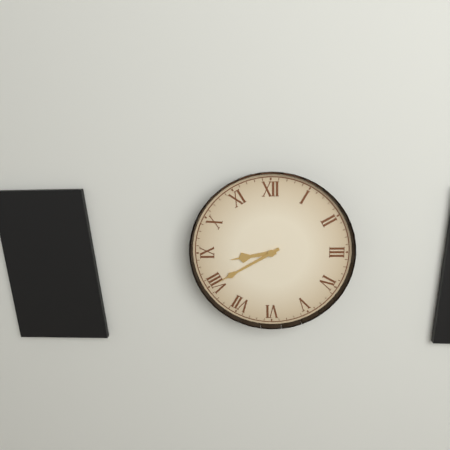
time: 8:40
